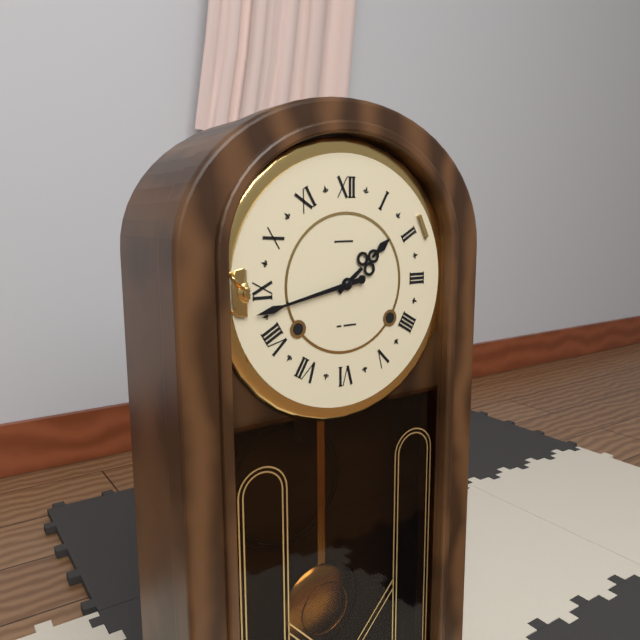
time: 1:43
